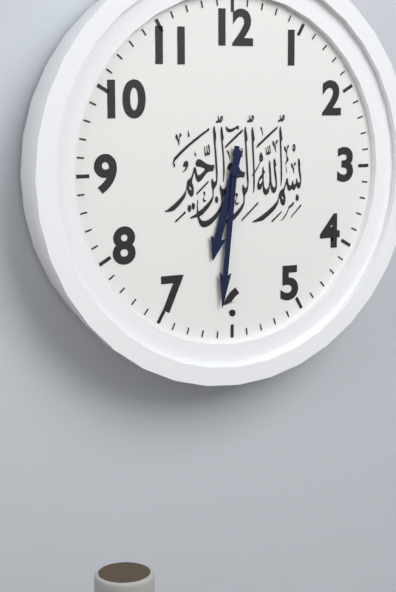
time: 6:31
